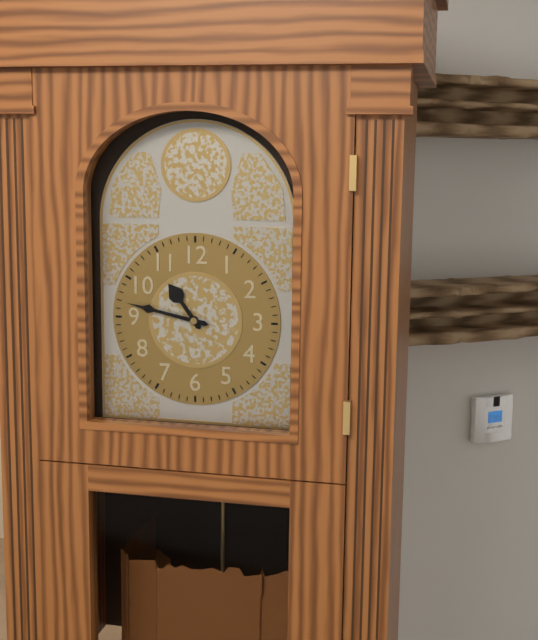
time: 10:47
